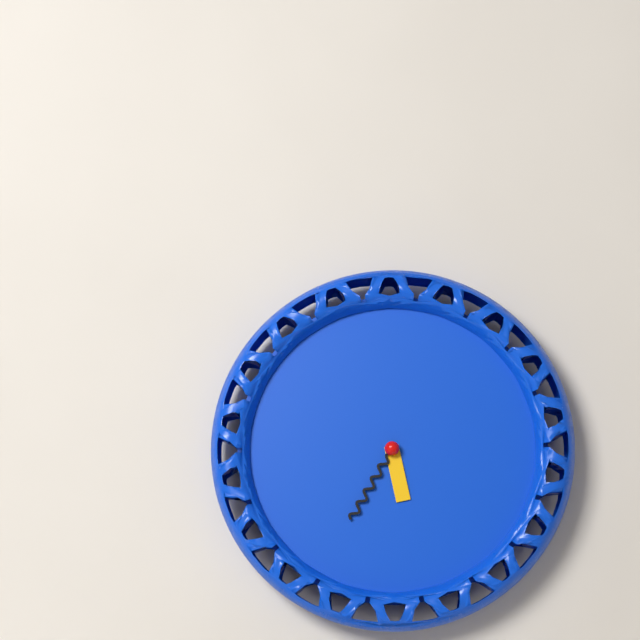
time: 5:35
